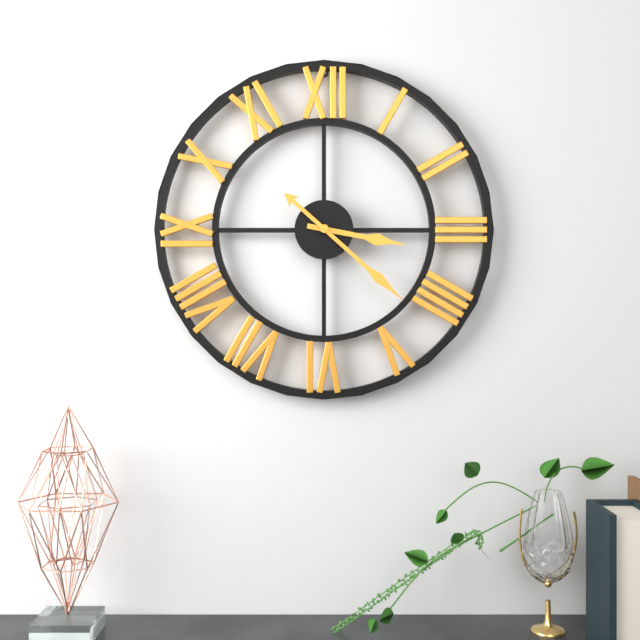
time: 3:22
